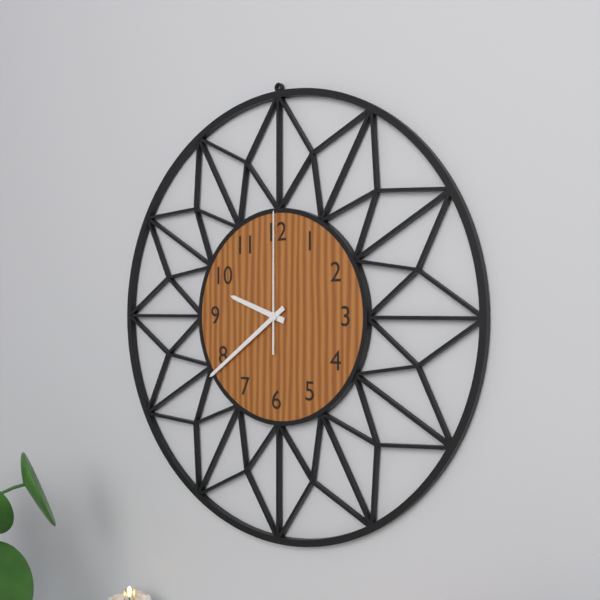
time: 9:39:00
